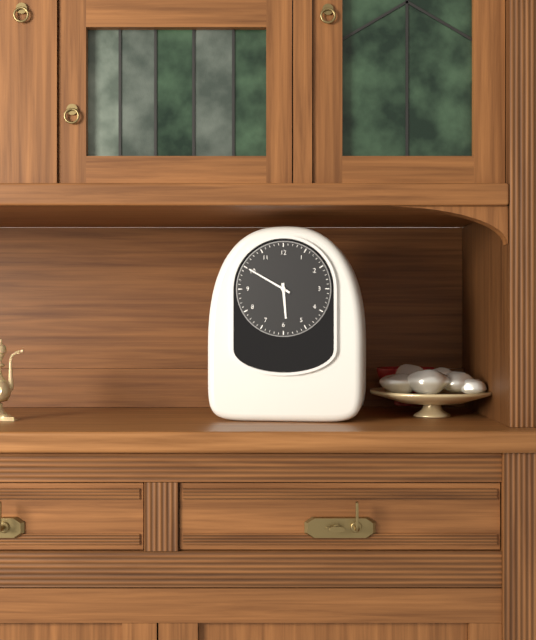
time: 5:50
